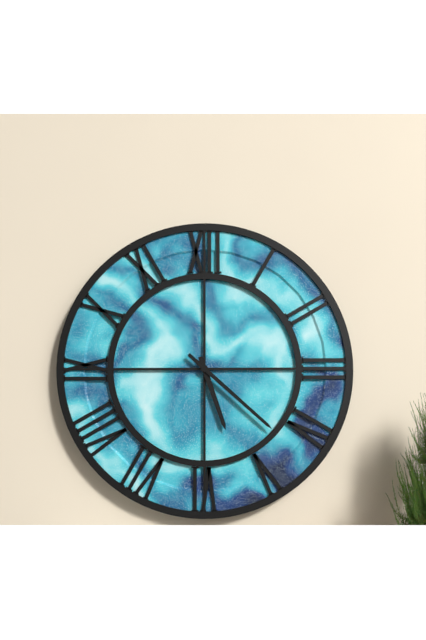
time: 5:22
